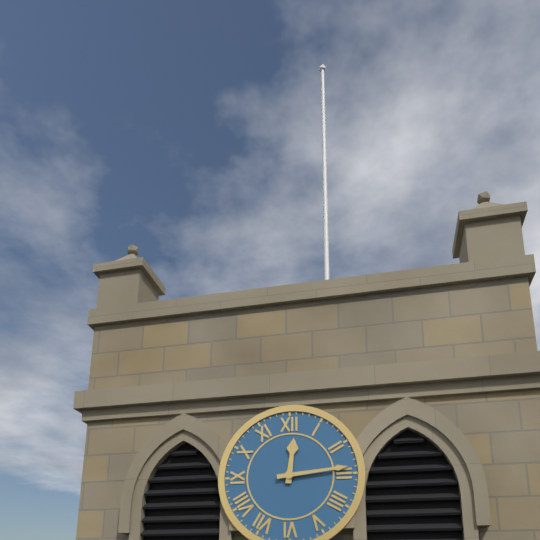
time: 12:14
